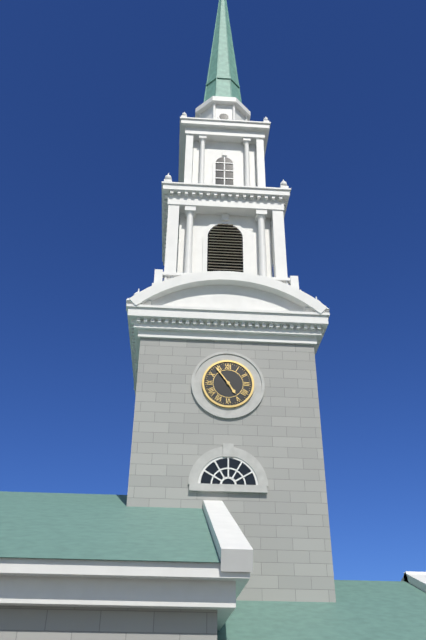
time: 4:54
